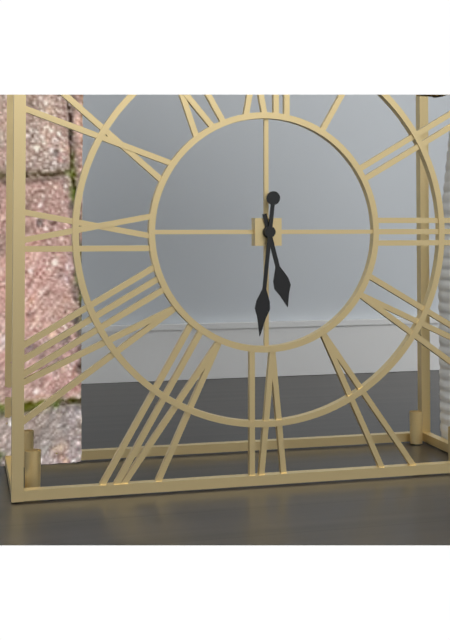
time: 5:31
